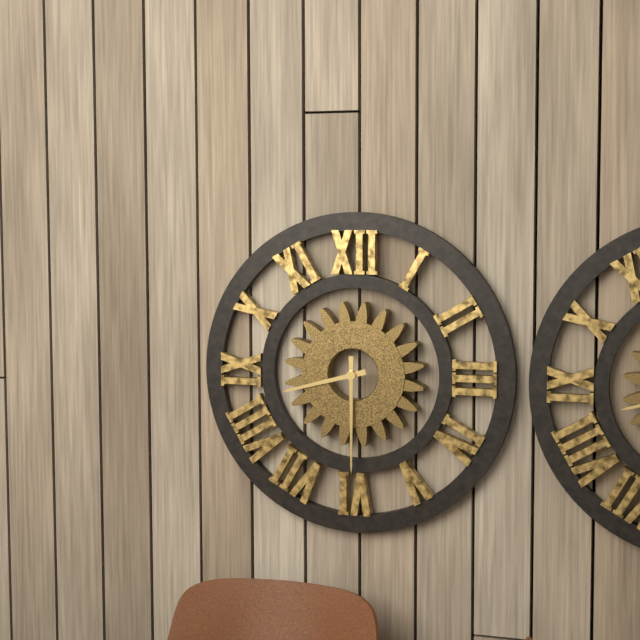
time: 8:30
